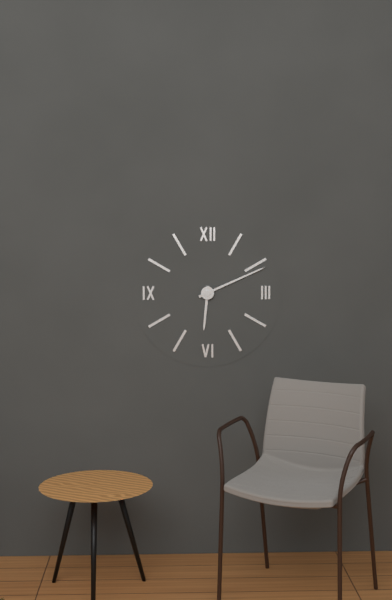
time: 6:11
